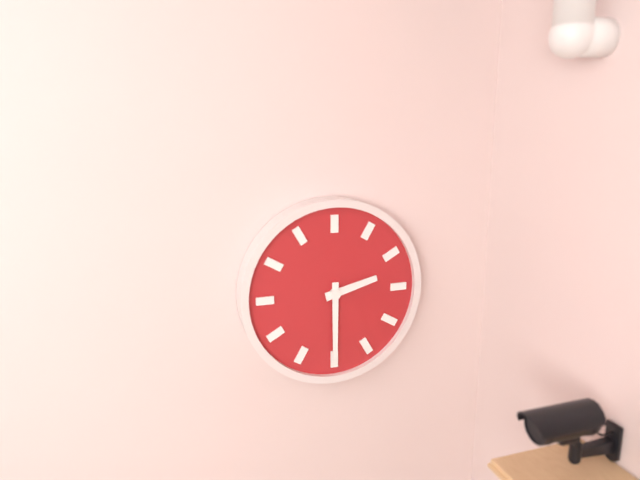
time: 2:30
